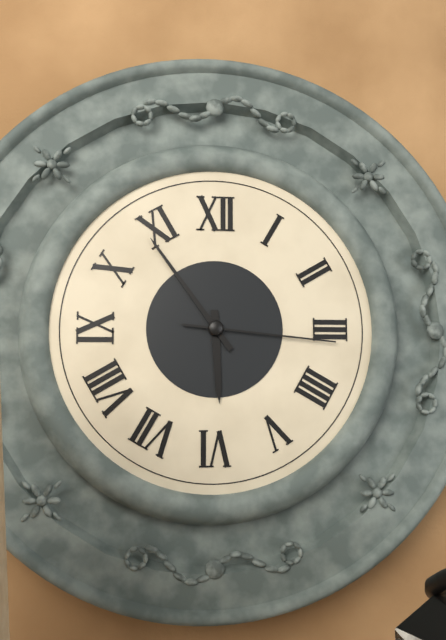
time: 5:54:16
